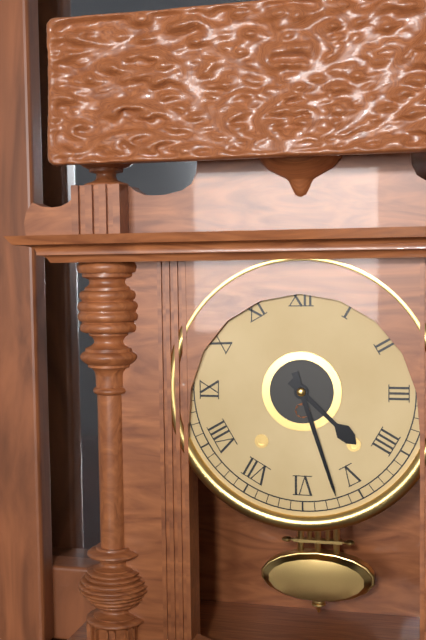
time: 4:27
